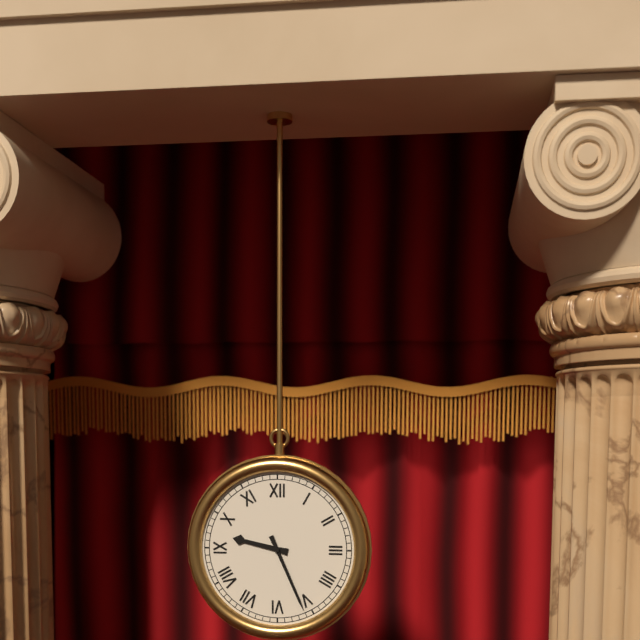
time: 9:26
